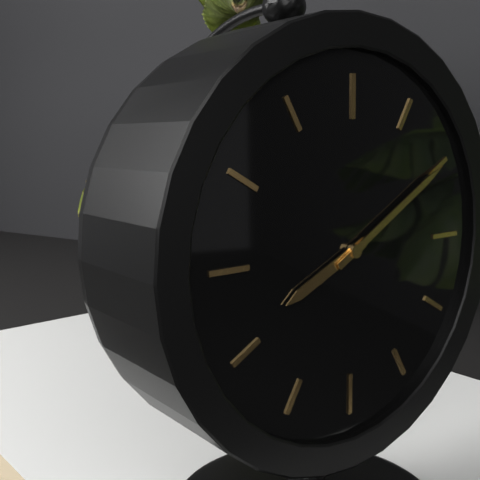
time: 8:10
